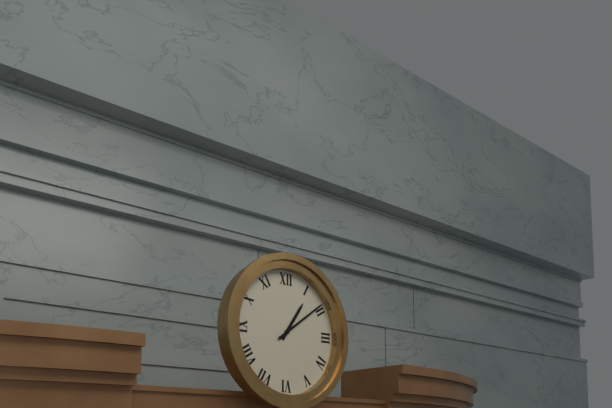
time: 1:09
